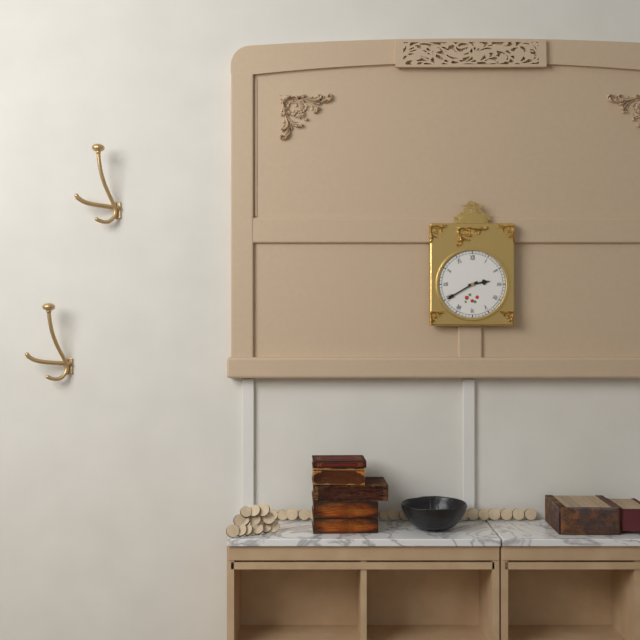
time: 2:40
